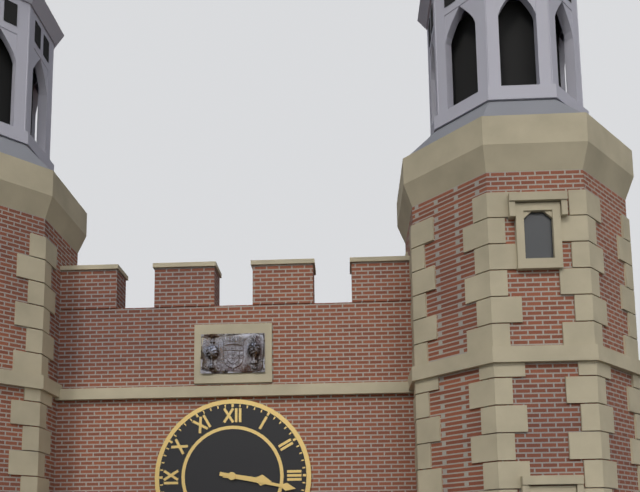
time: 3:17
